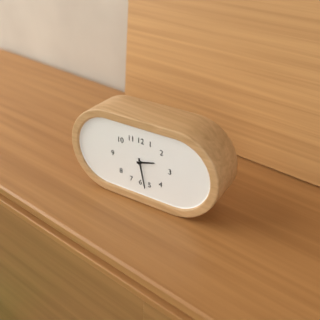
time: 2:28
